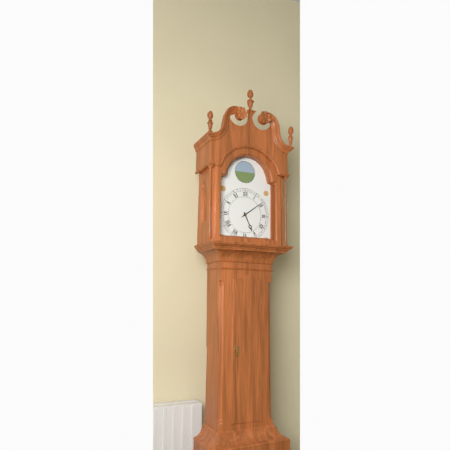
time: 5:09
